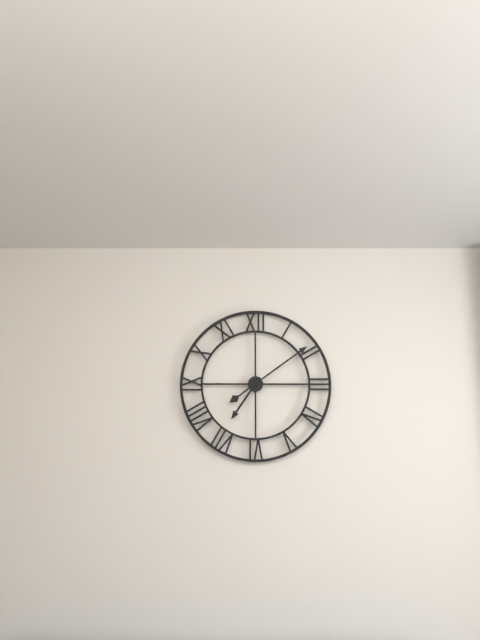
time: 7:09
